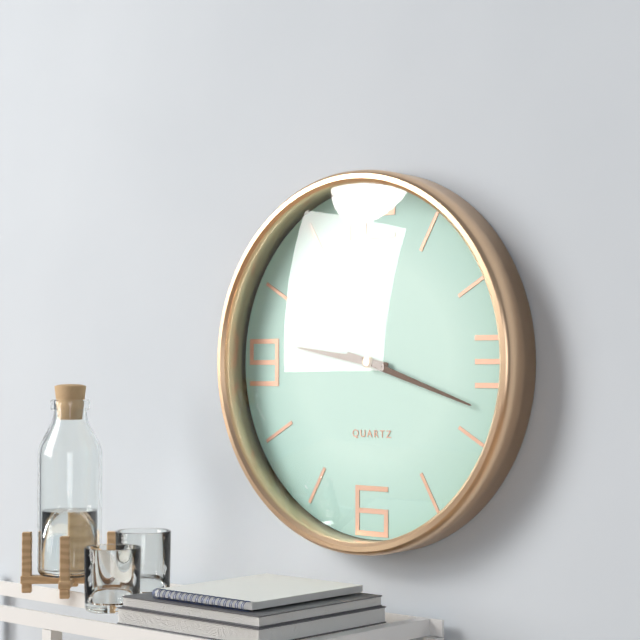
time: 9:18
